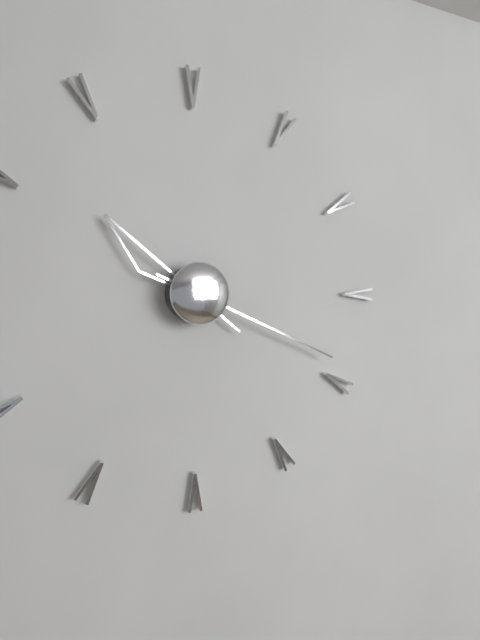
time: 10:19
